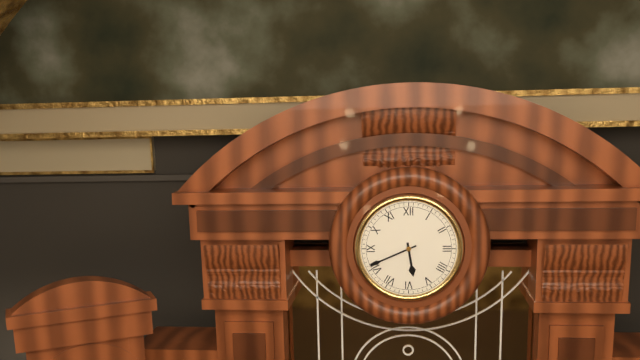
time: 5:41
